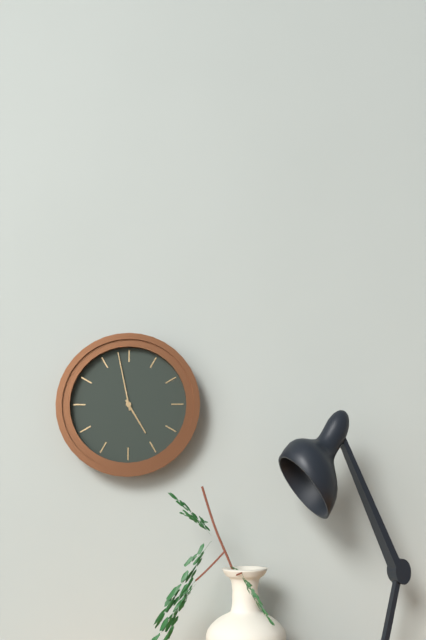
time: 4:58
